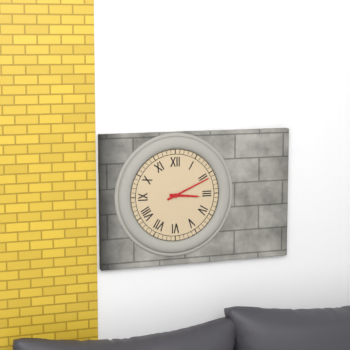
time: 3:11
